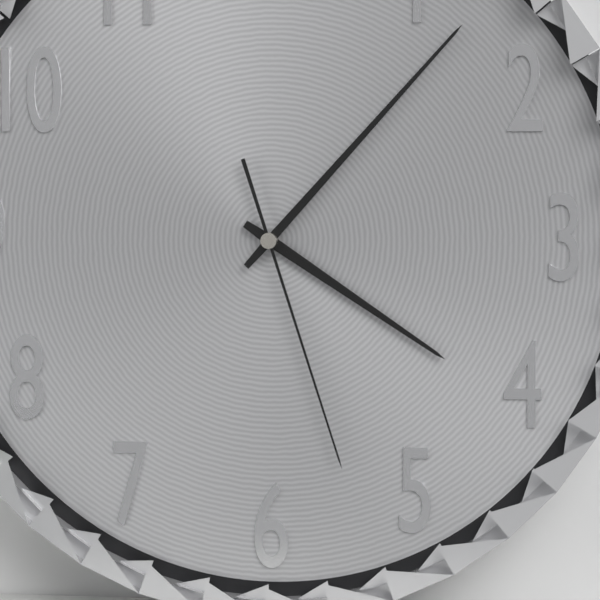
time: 4:07:27
